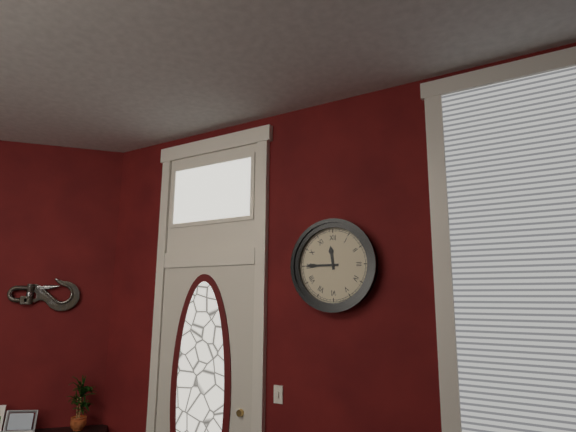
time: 11:45
